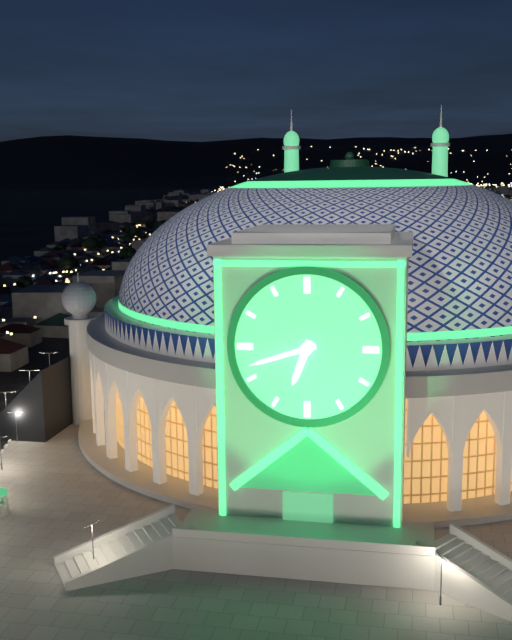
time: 6:42
